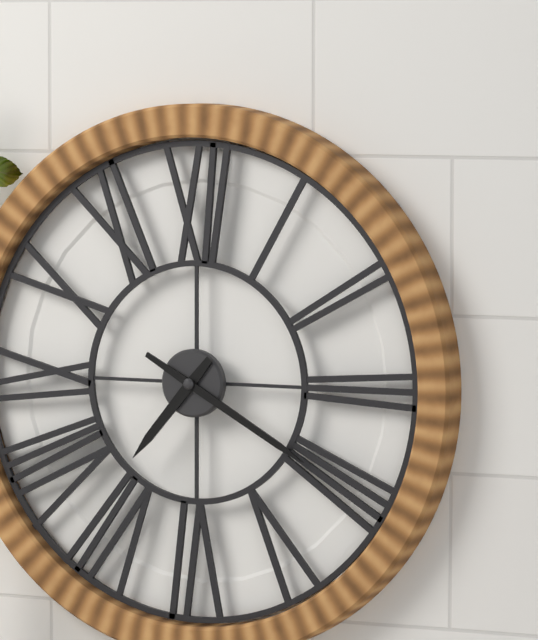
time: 7:20
